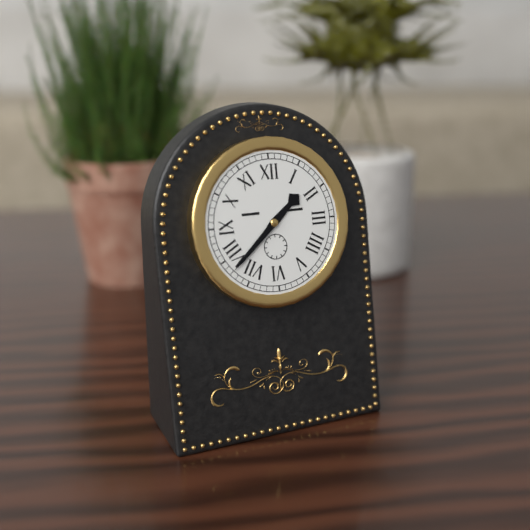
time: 1:38
